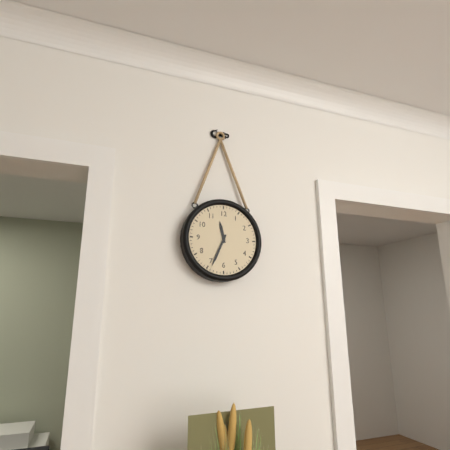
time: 11:34
